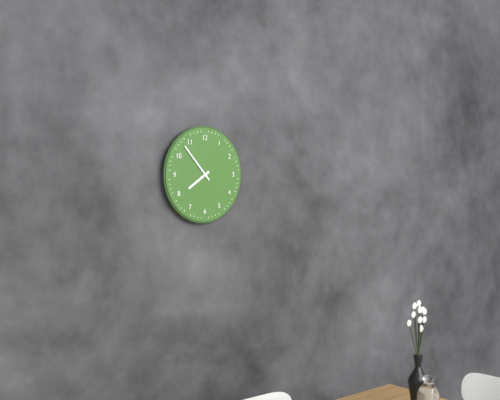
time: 7:53
